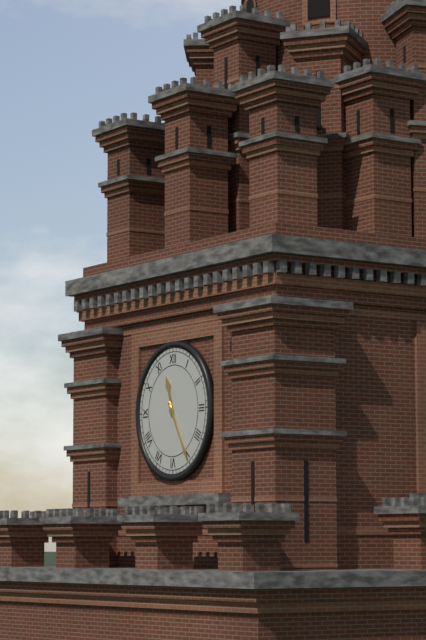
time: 11:25
